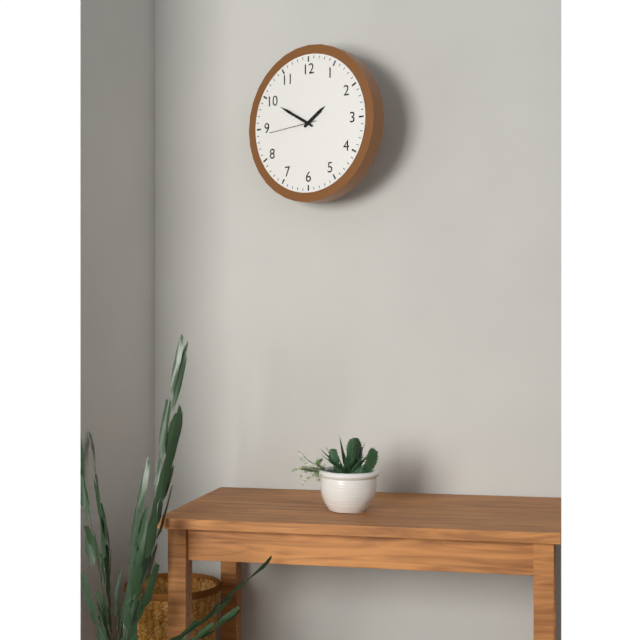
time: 1:50:44
